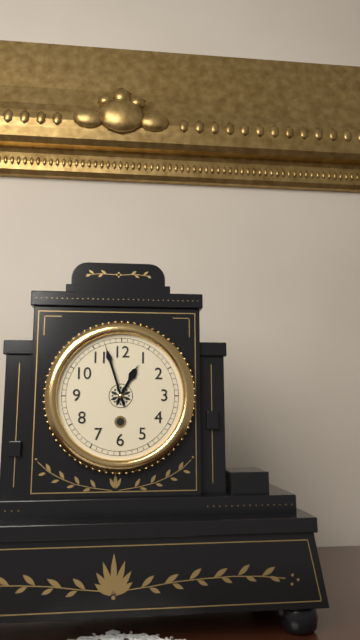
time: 12:57
